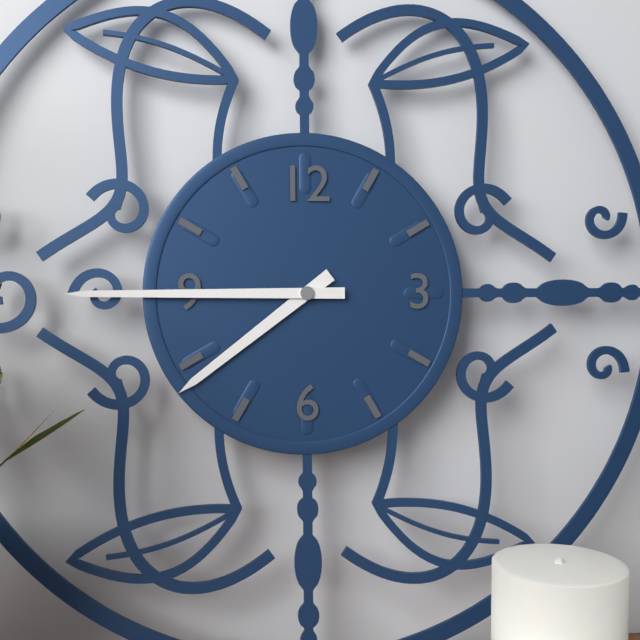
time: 7:45
